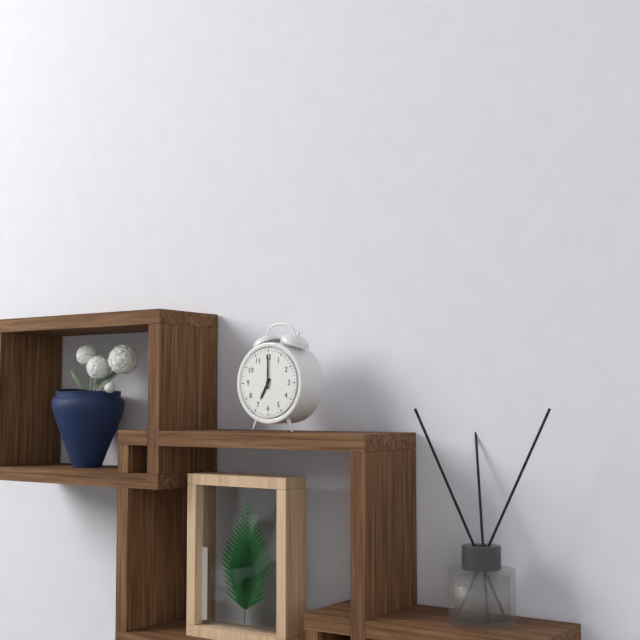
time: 7:00
